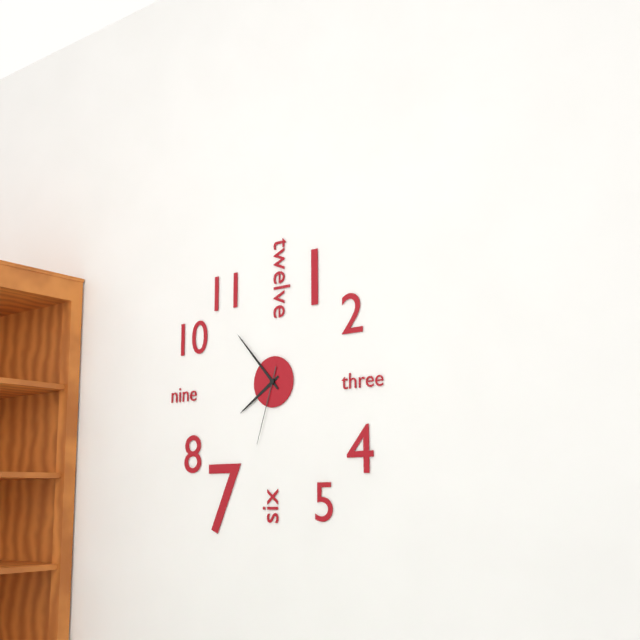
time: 7:53:33
